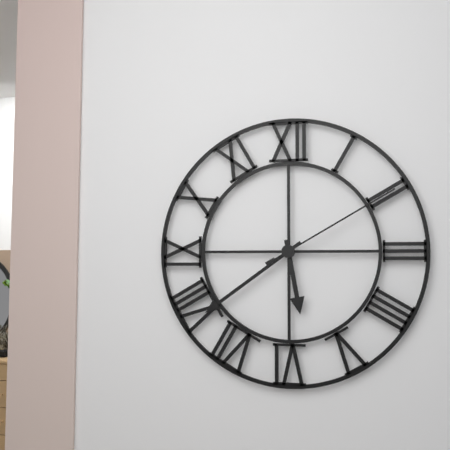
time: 5:39:10
